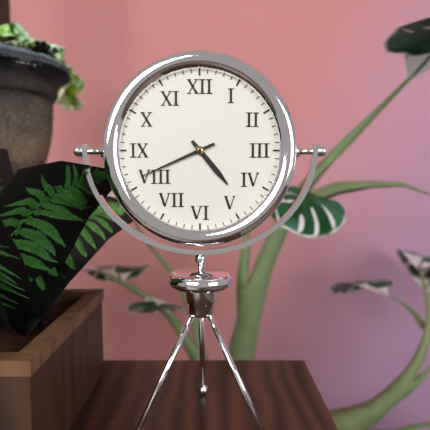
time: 4:41
